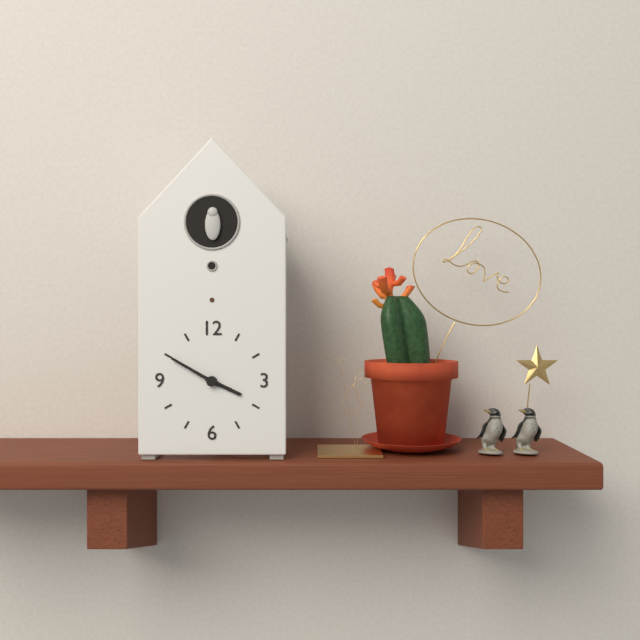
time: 3:50
